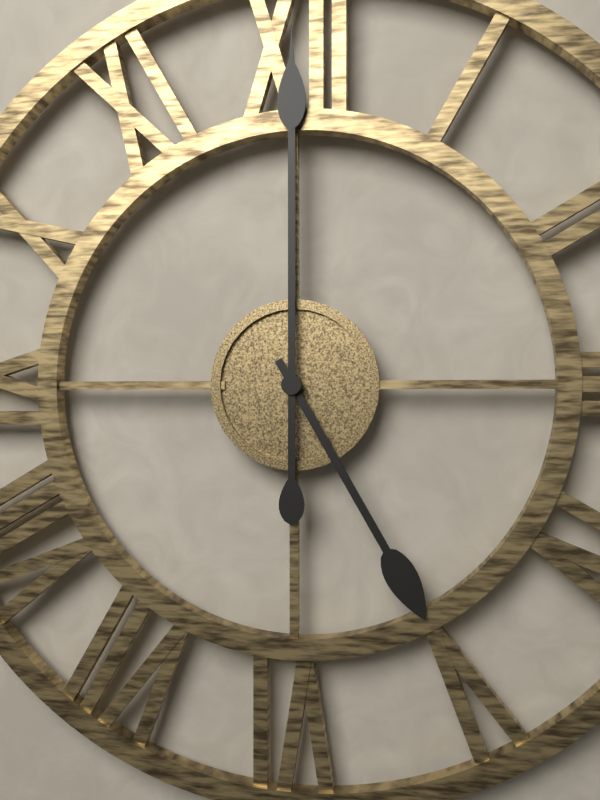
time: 5:00
